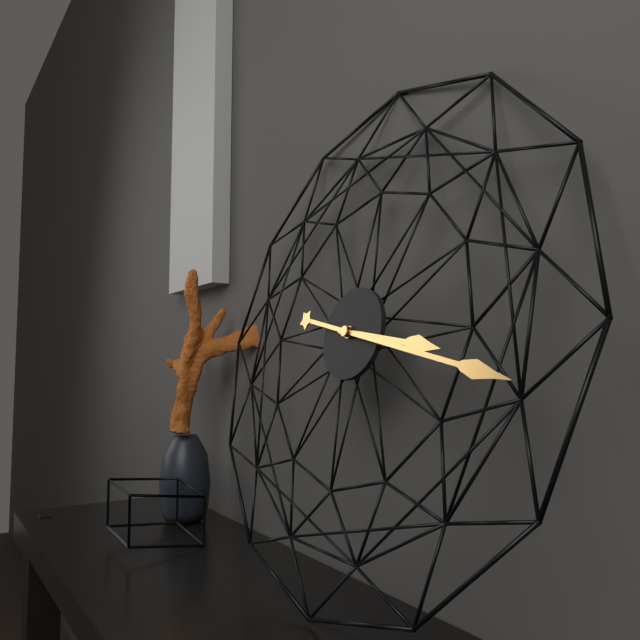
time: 3:17
